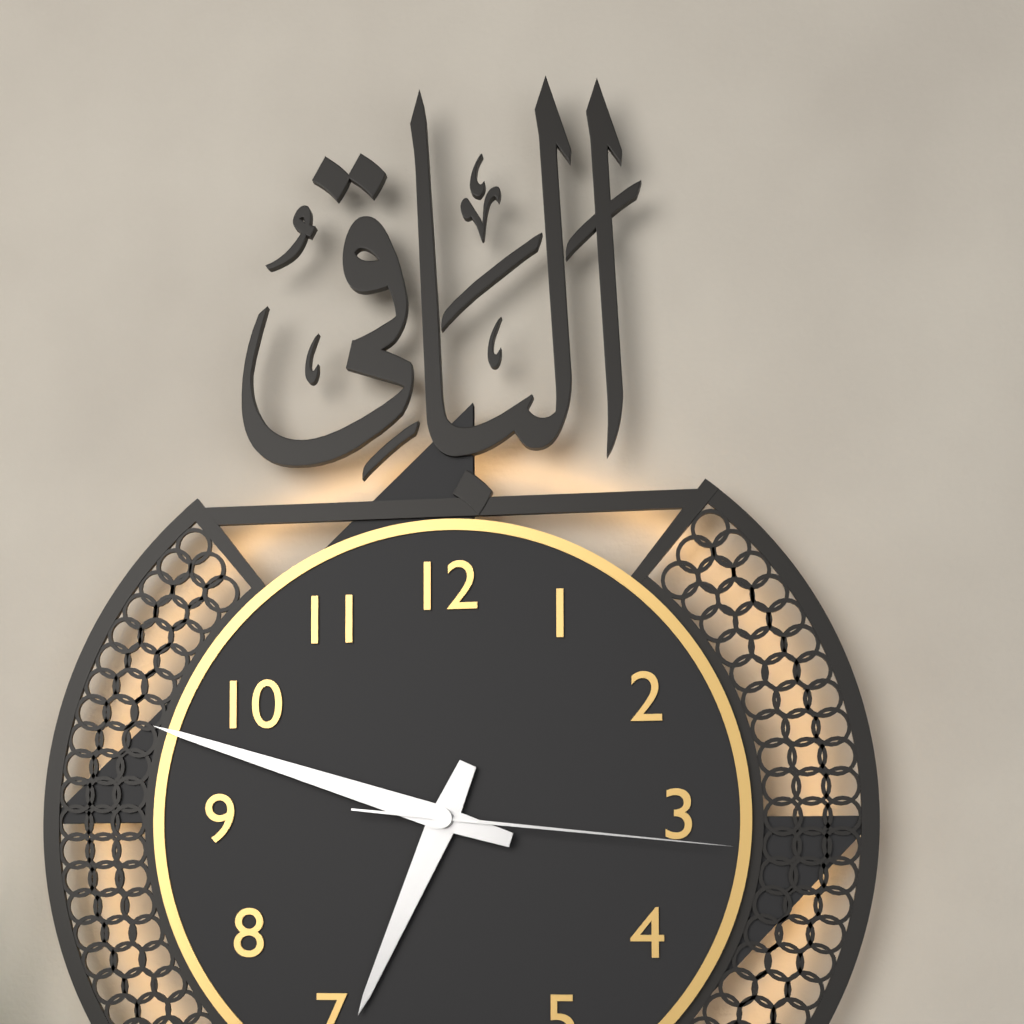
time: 6:48:16
